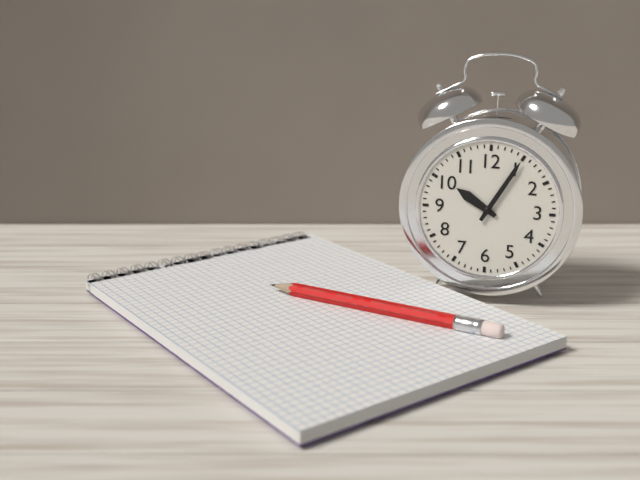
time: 10:05
